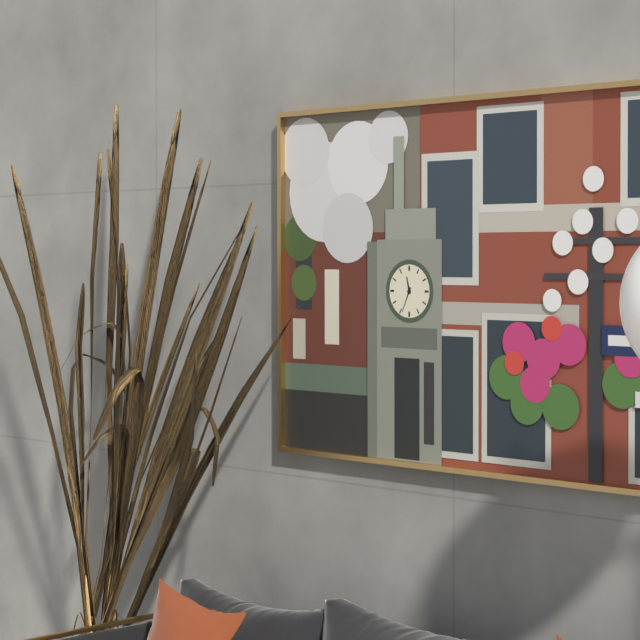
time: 11:34
